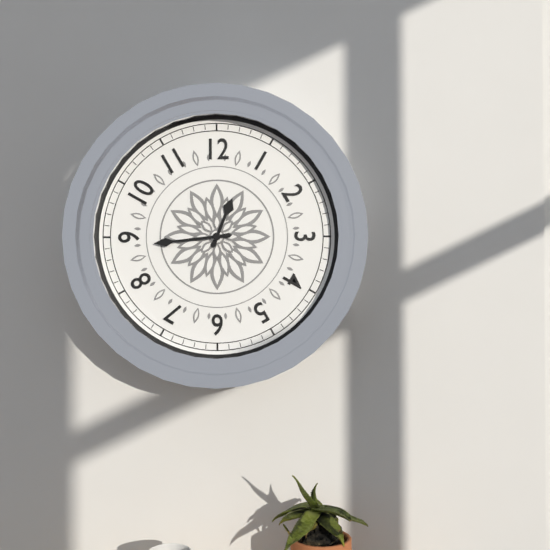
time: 12:44
